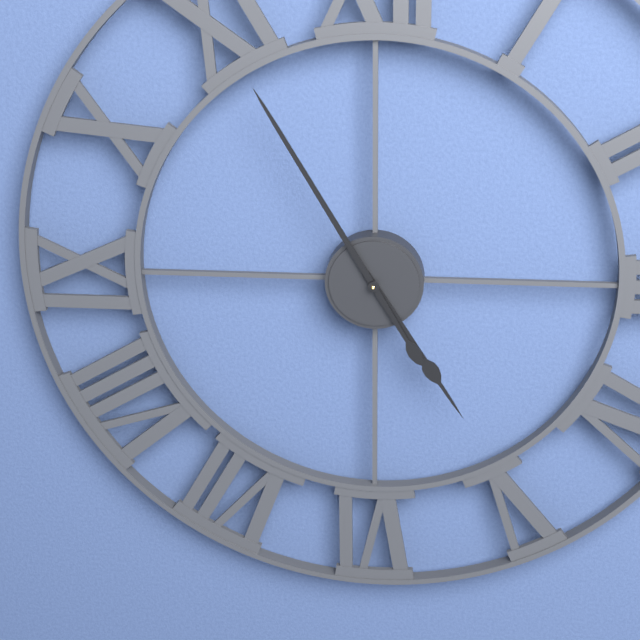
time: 4:55
